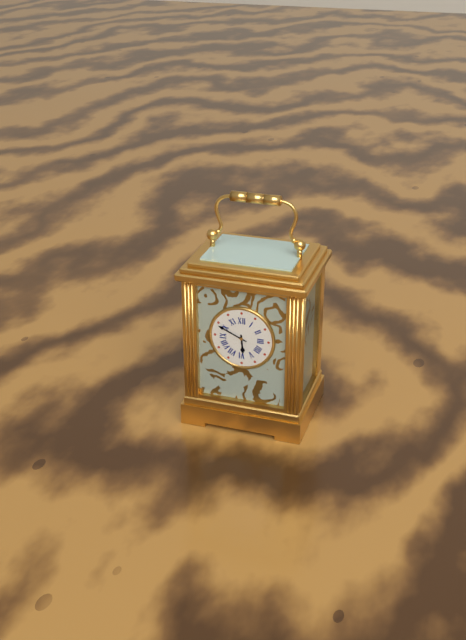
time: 5:49
